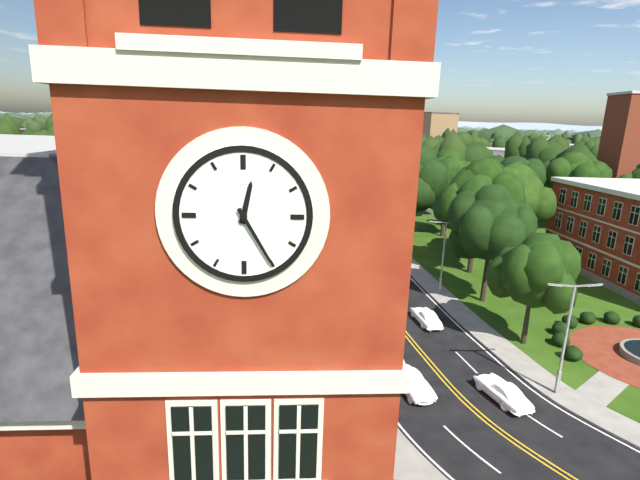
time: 12:25
